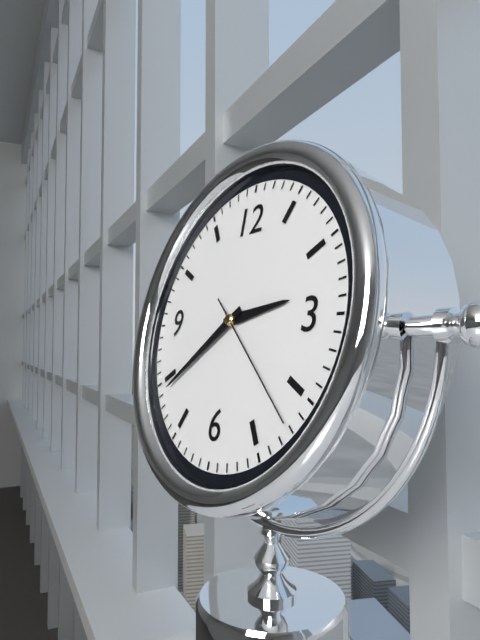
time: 2:39:22
